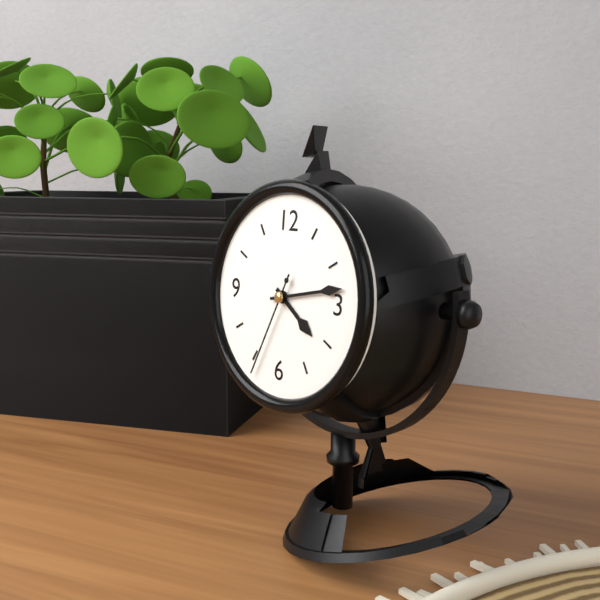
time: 4:13:34
